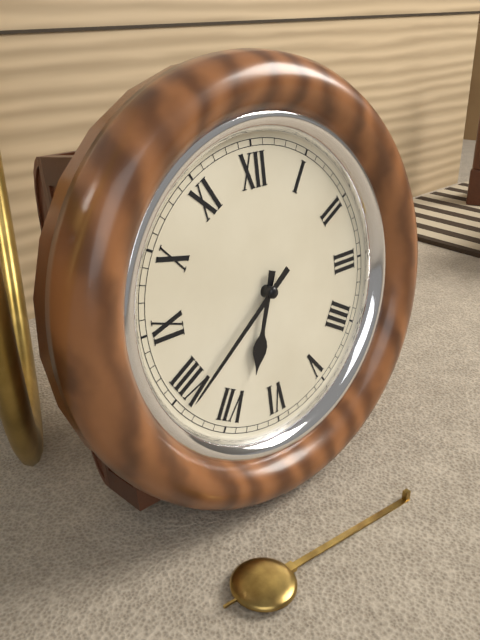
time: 6:39
